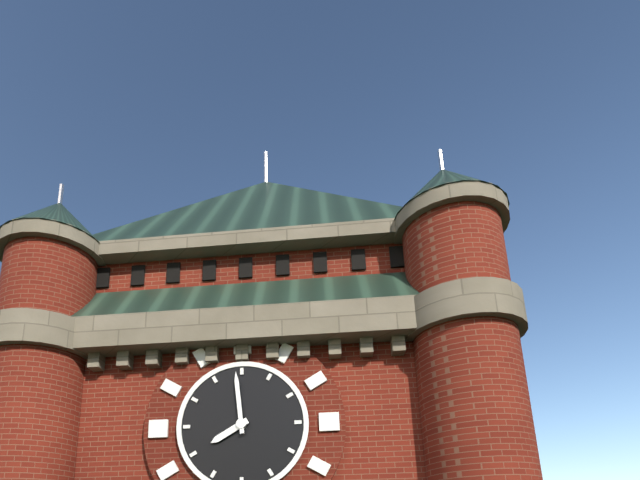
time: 7:59
